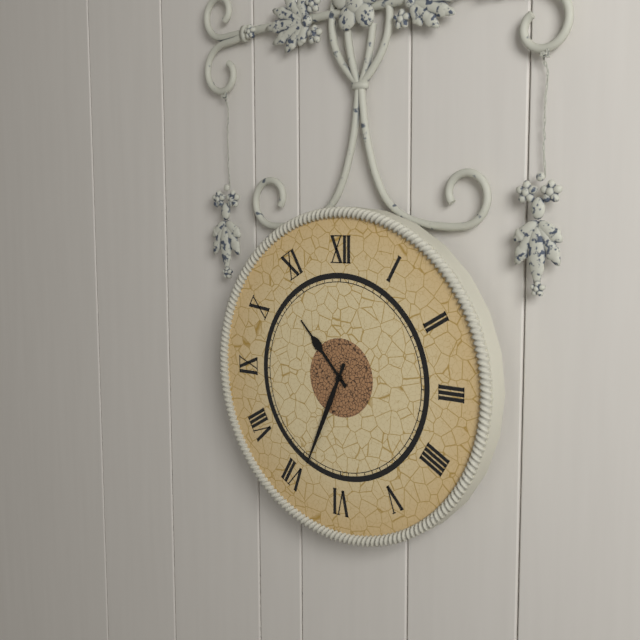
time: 10:34
